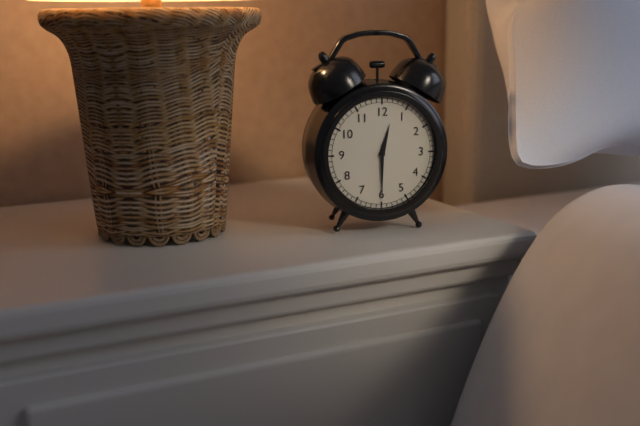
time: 12:30
